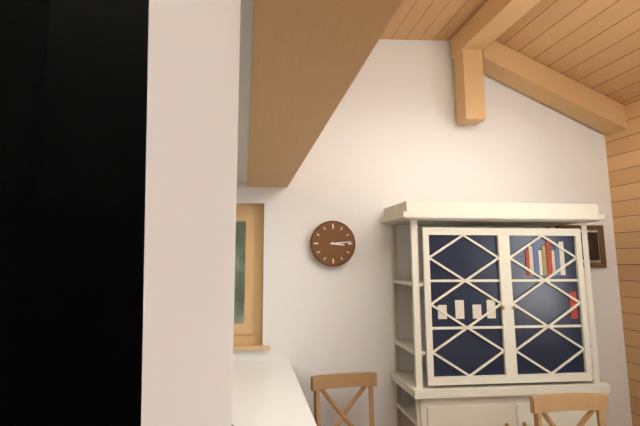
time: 3:14
